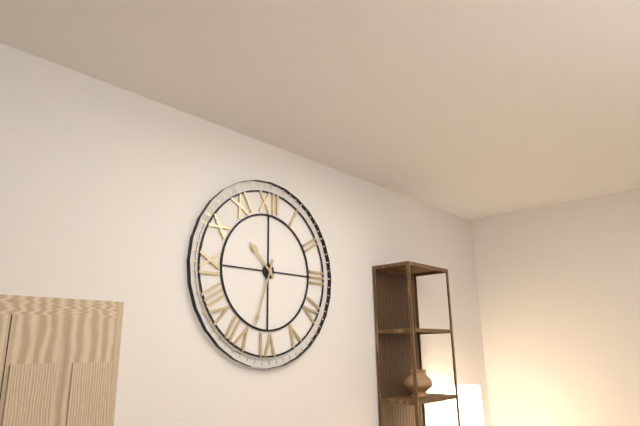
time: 10:33
